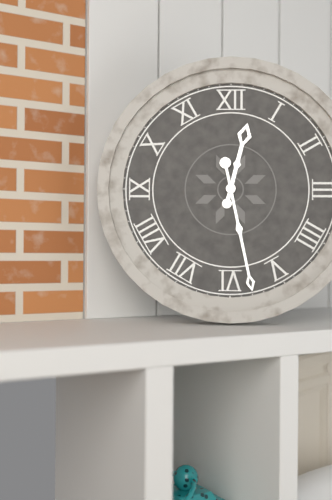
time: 12:28
